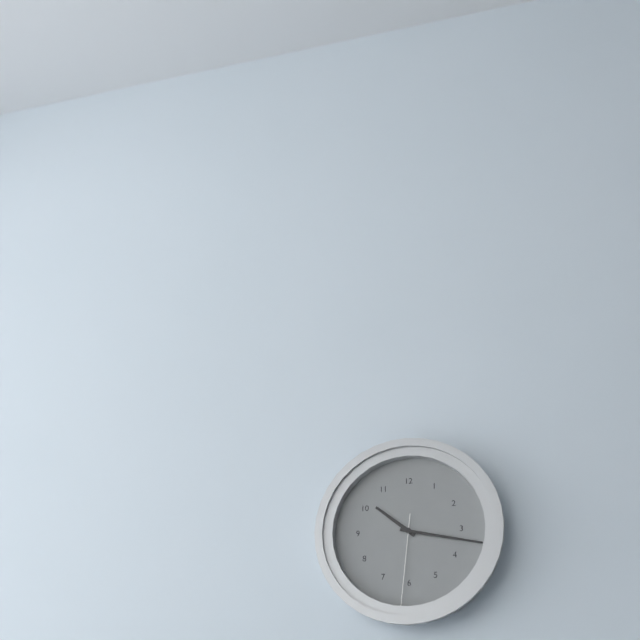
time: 10:17:31
